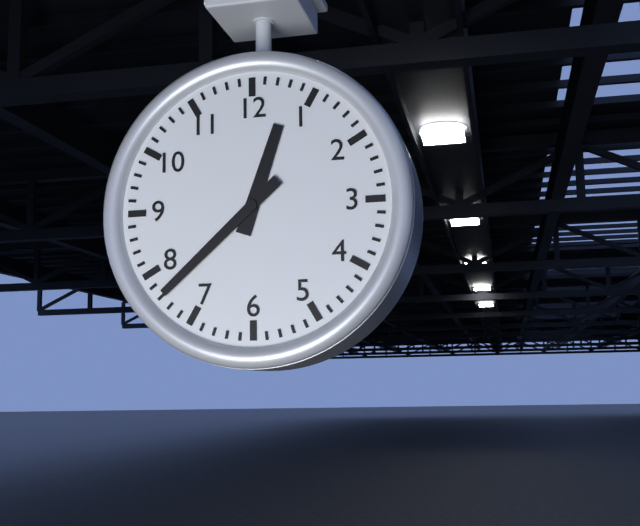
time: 12:38
